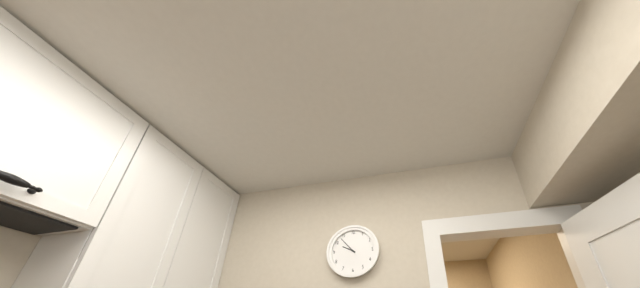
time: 9:53
